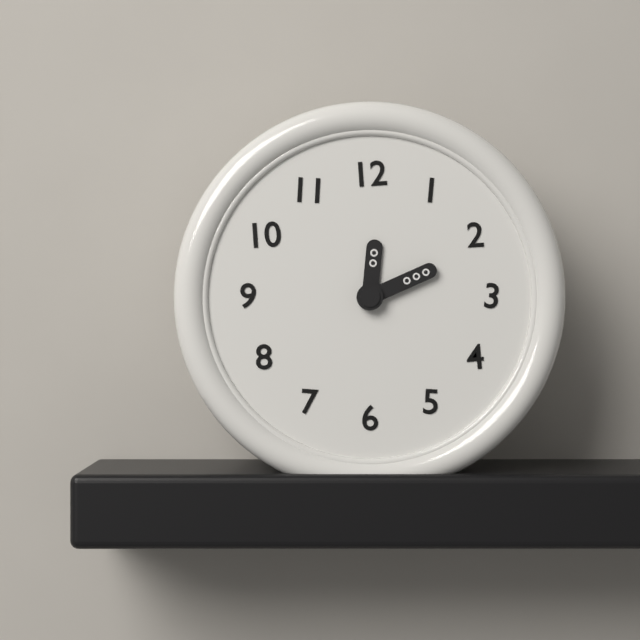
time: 12:11
